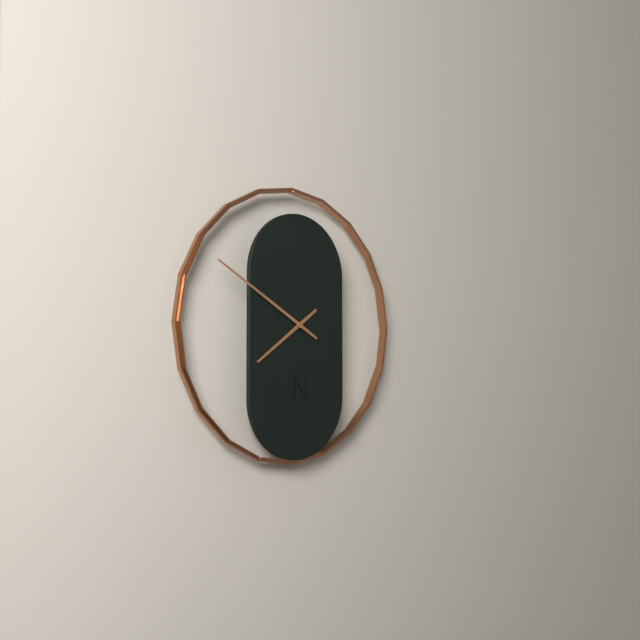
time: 7:50
